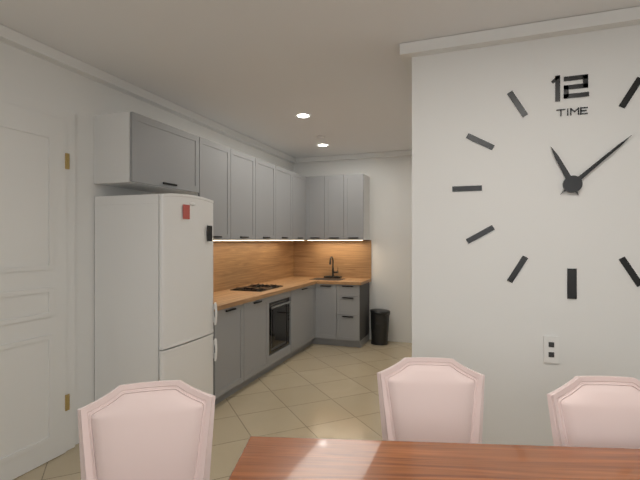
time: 11:08
